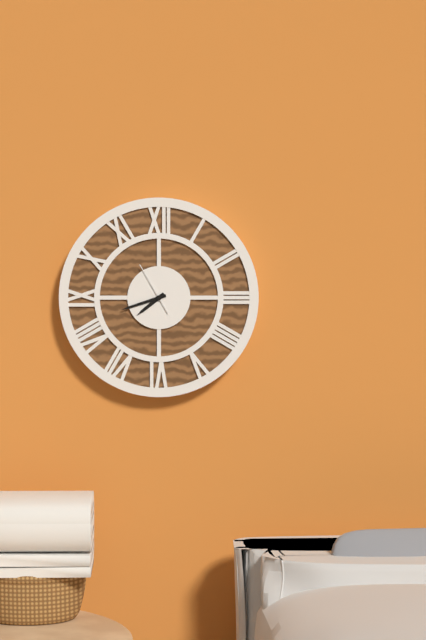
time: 7:42
